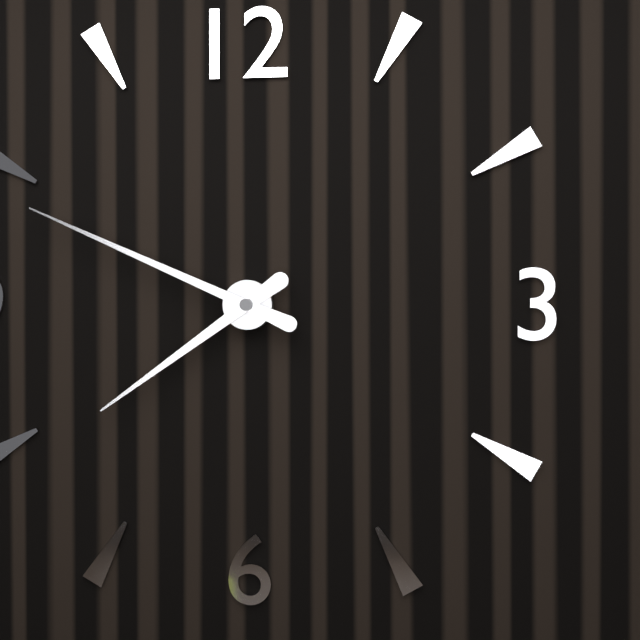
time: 7:49
